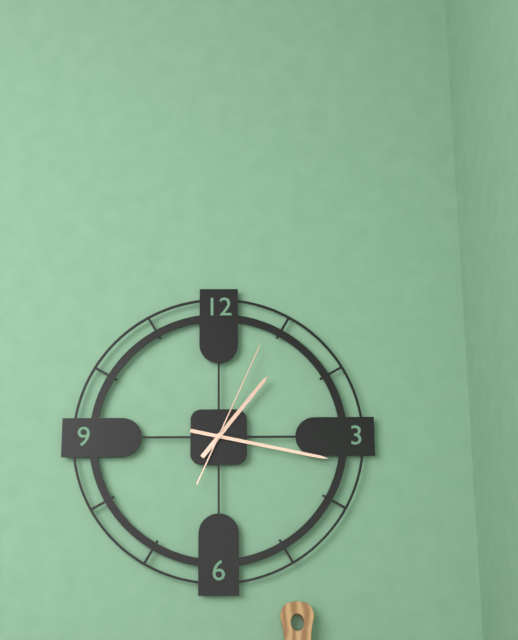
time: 1:17:04
